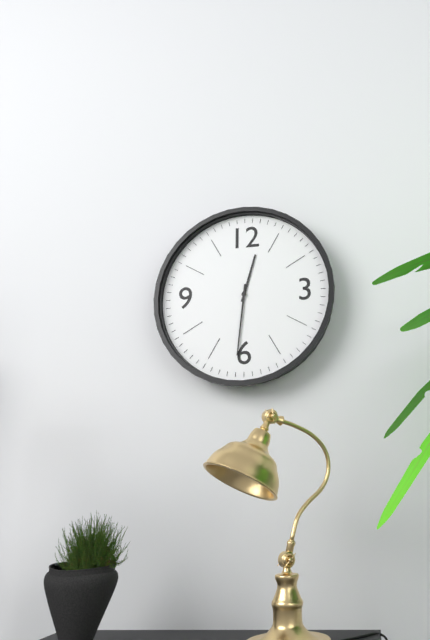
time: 12:31
